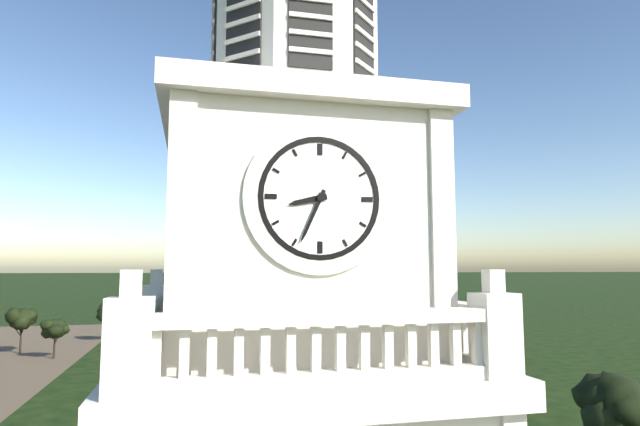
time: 8:34
